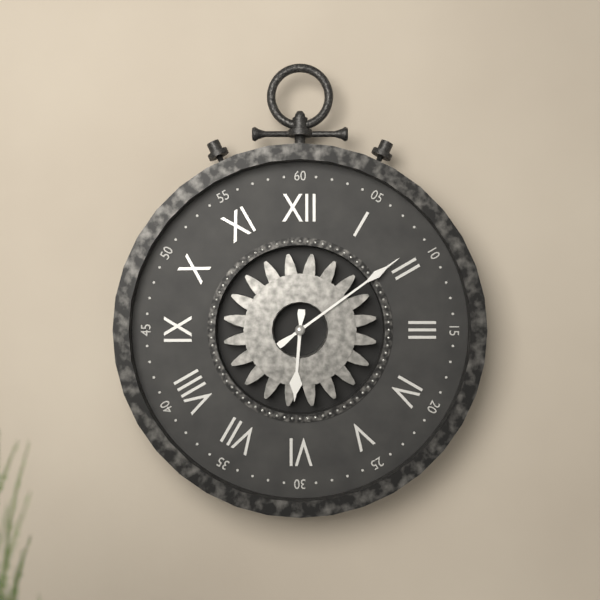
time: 6:09
